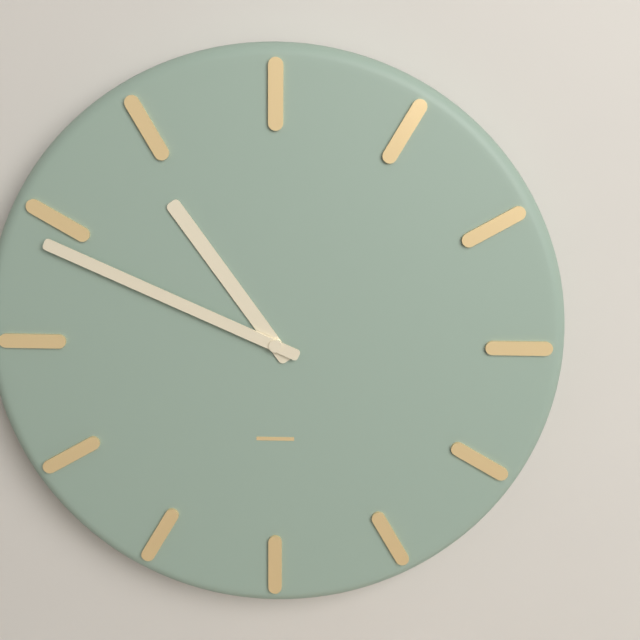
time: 10:49
